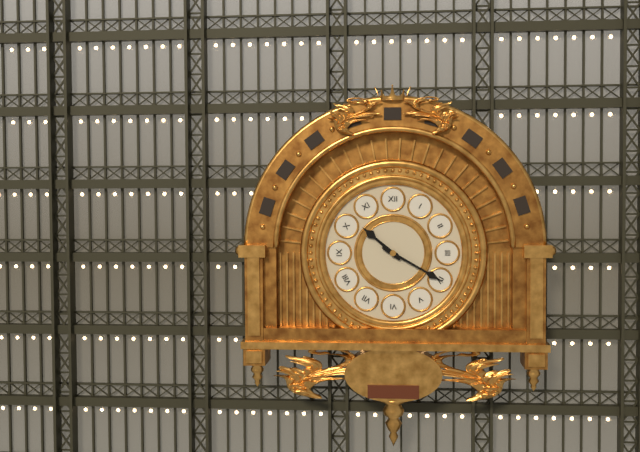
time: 10:20
